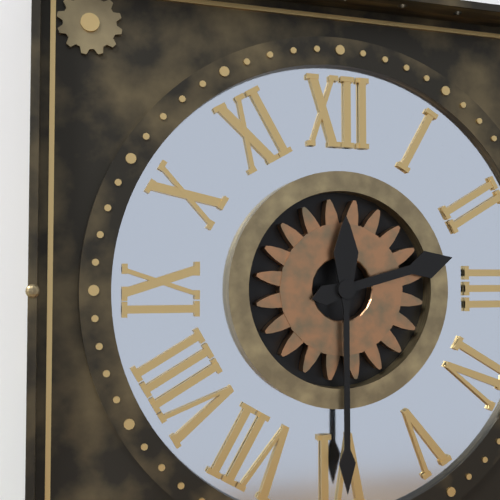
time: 2:30
